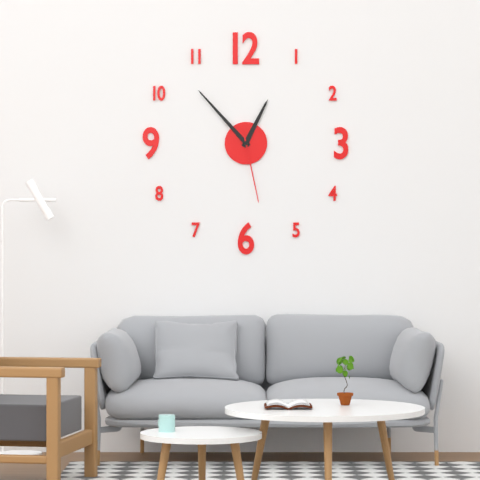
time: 12:53:28
